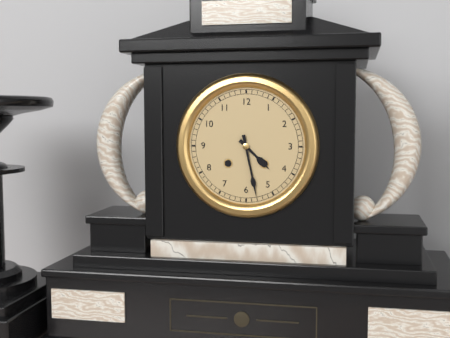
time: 4:28
